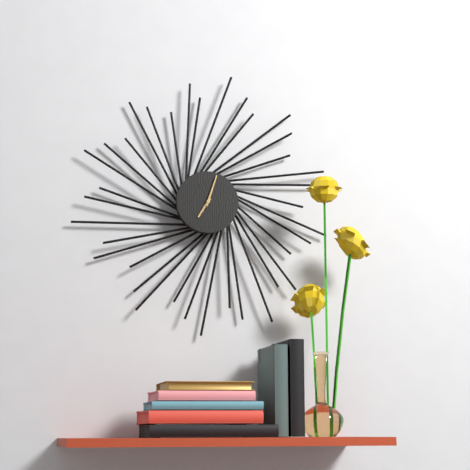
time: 7:03
